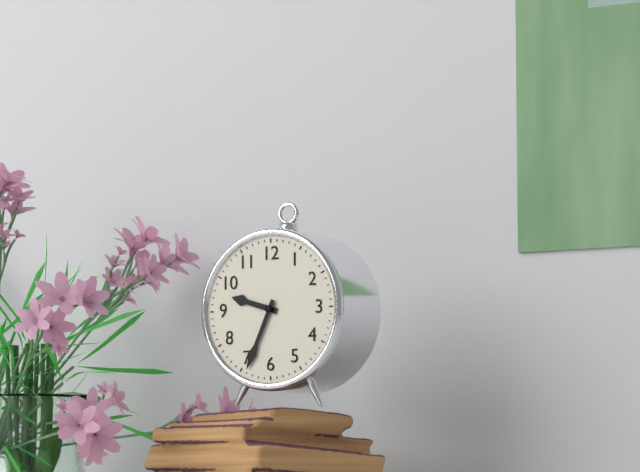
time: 9:34
